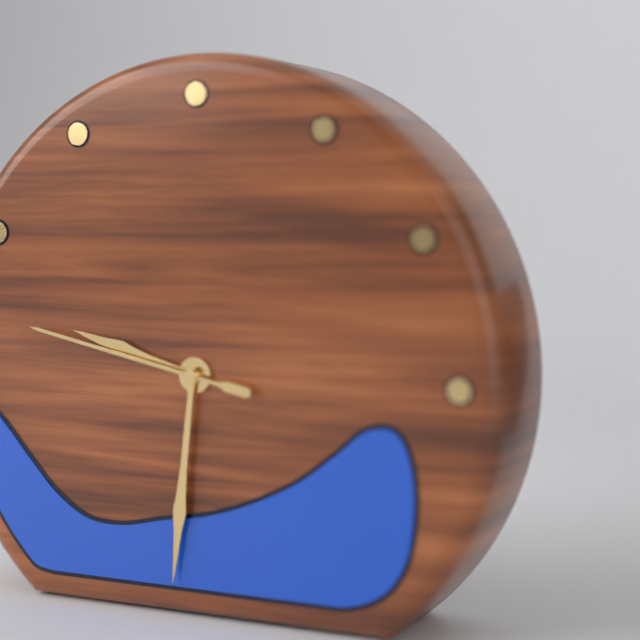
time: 9:31:47
